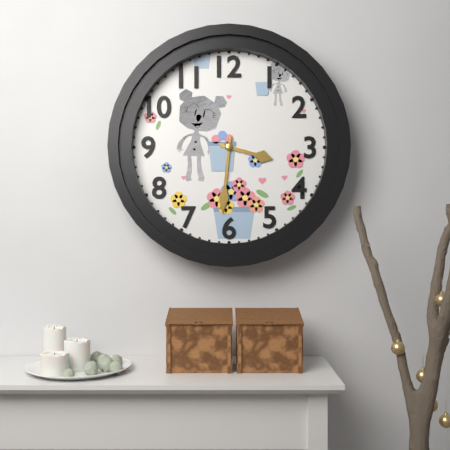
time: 3:31
